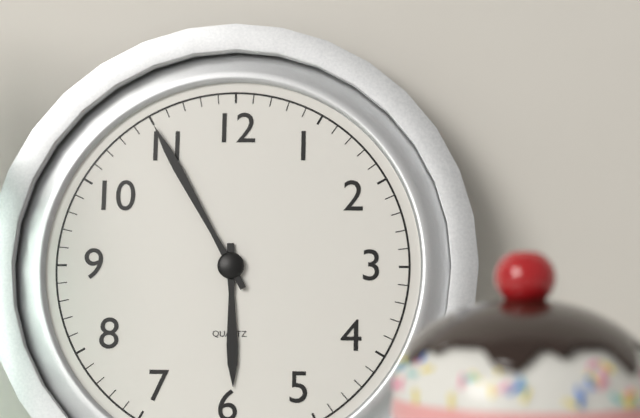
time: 5:55
